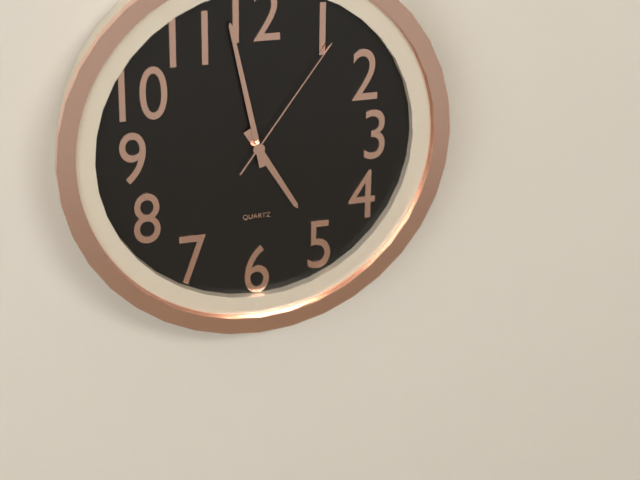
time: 4:58:06
